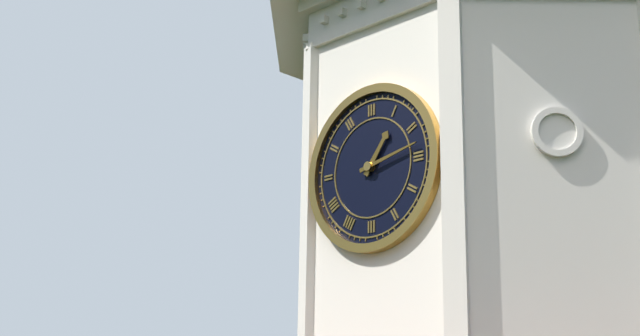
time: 1:13
